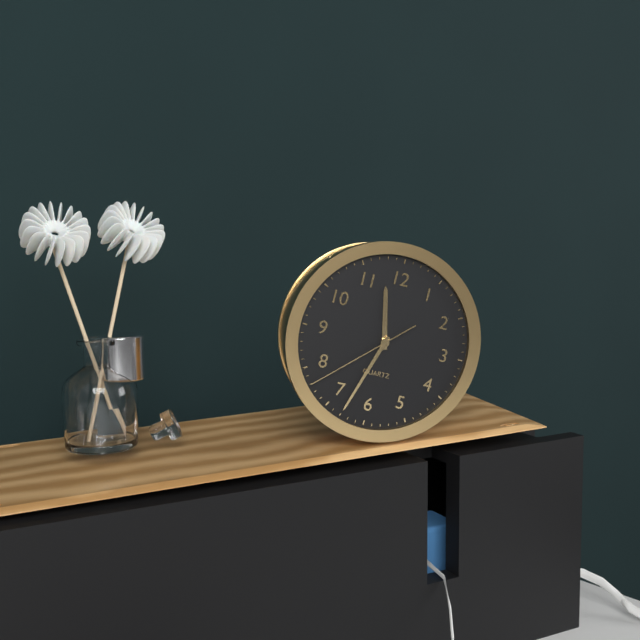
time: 11:33:38
